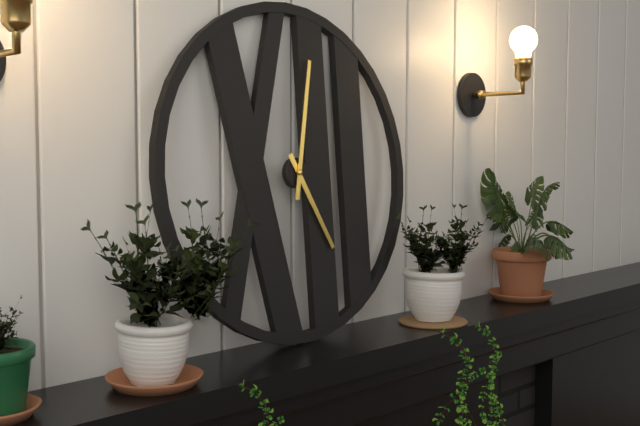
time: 5:02
